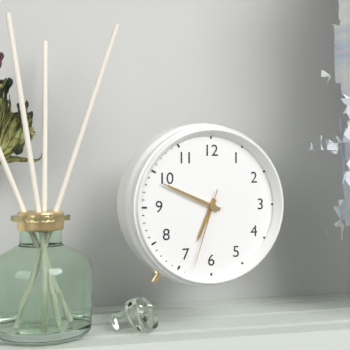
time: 6:49:33
